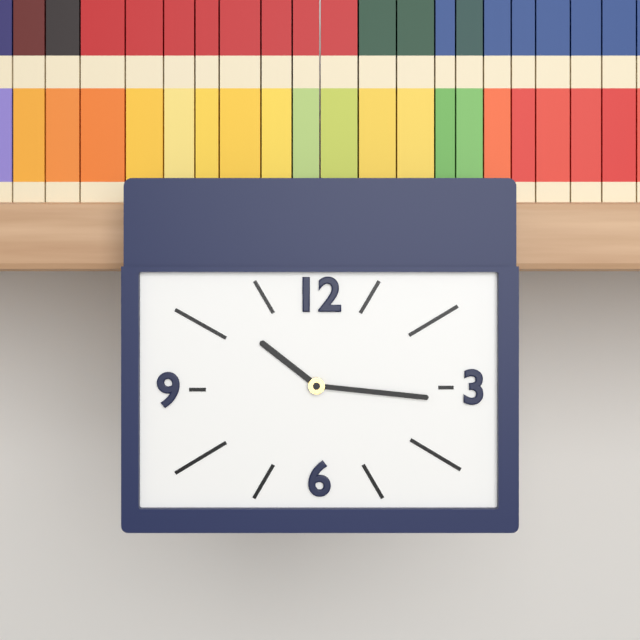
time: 10:16
